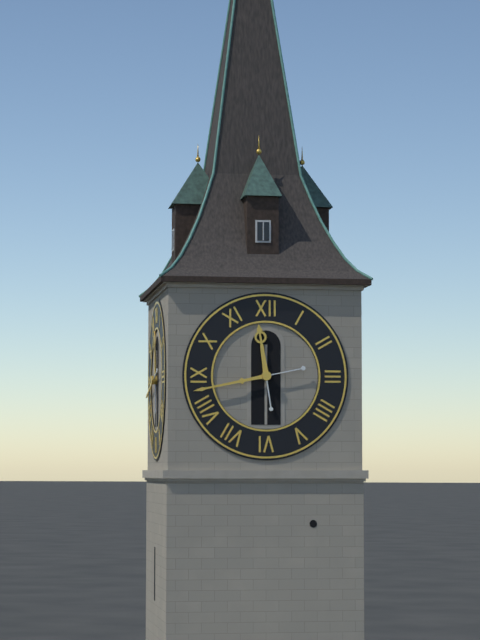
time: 11:43
